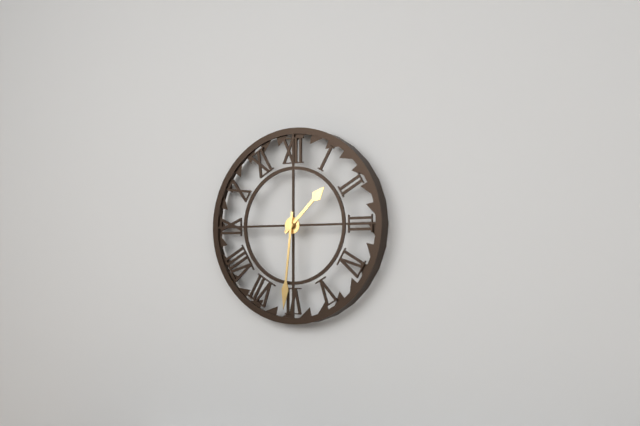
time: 1:31
